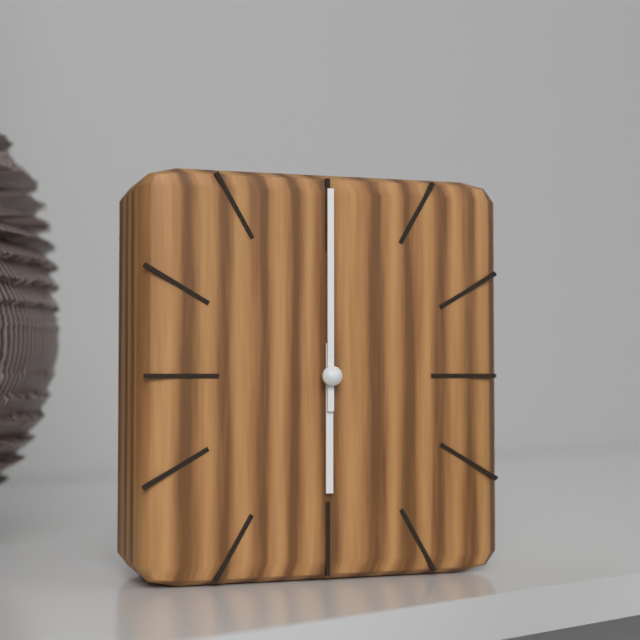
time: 6:00
